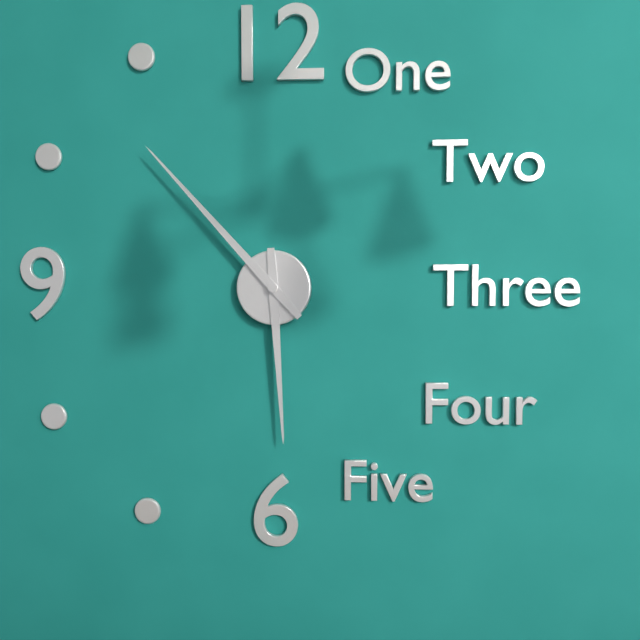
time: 5:53
